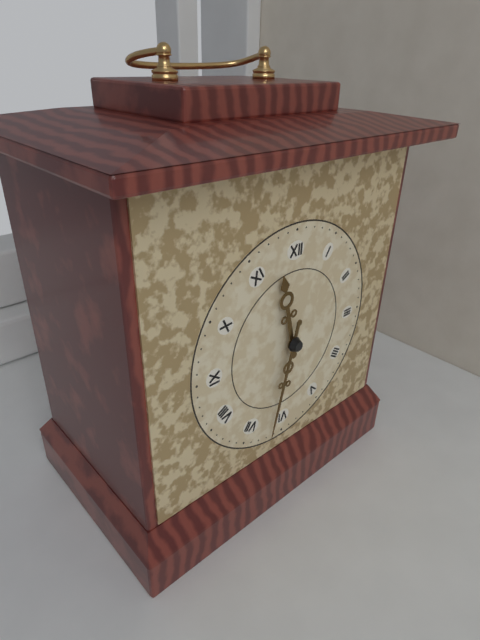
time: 11:32
